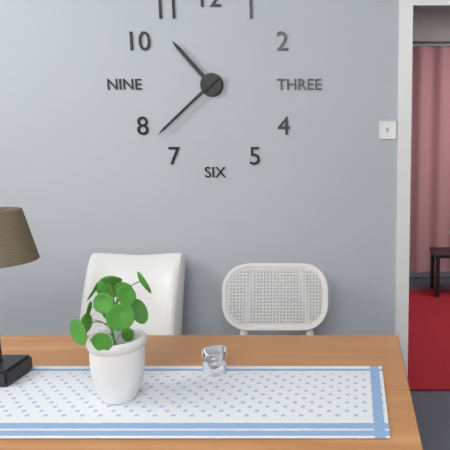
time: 10:38
